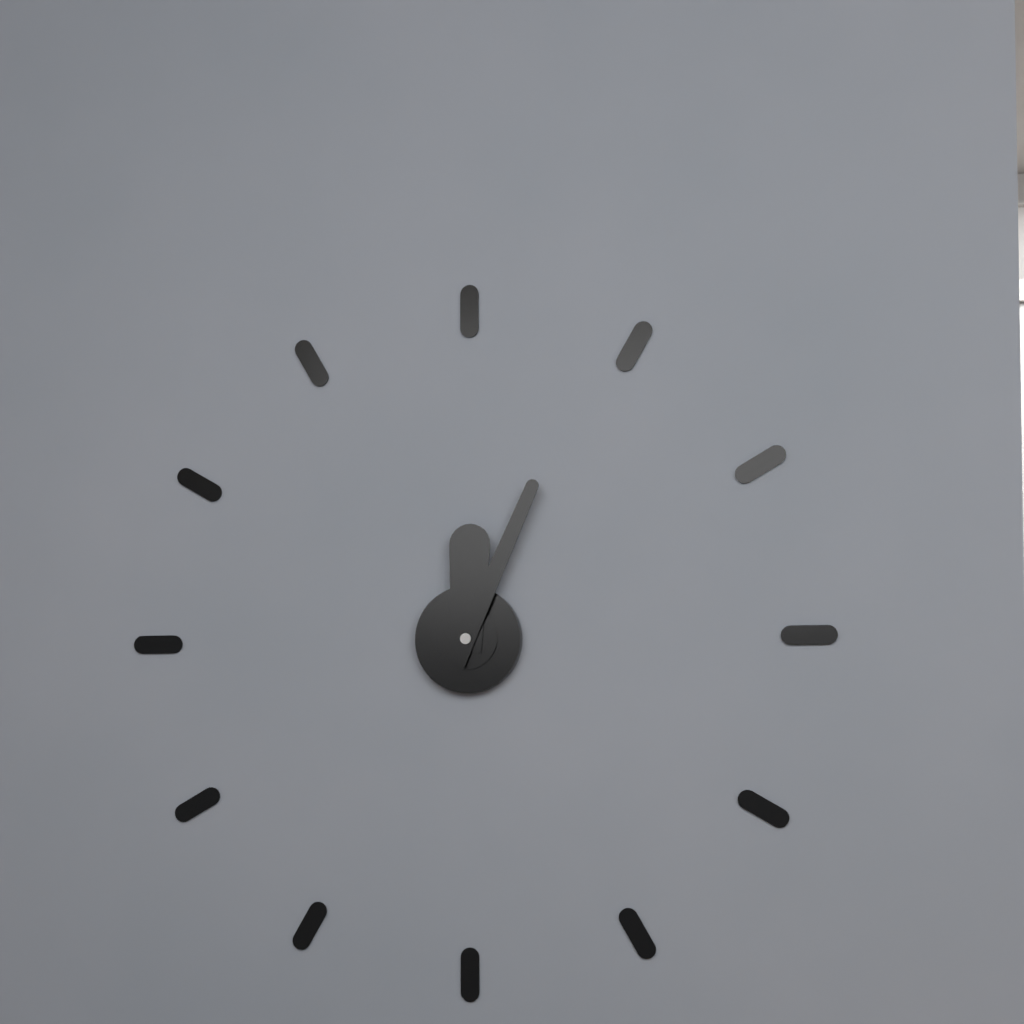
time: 12:04
